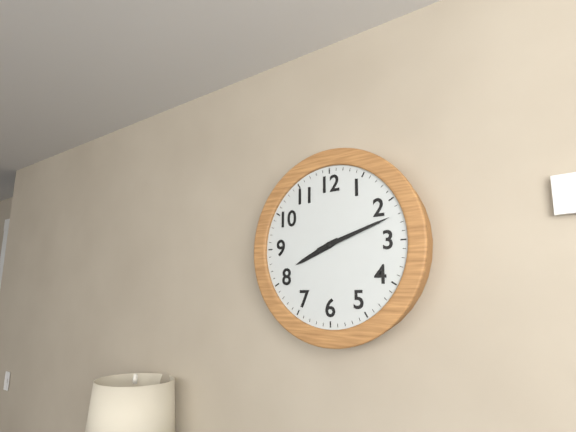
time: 8:12
